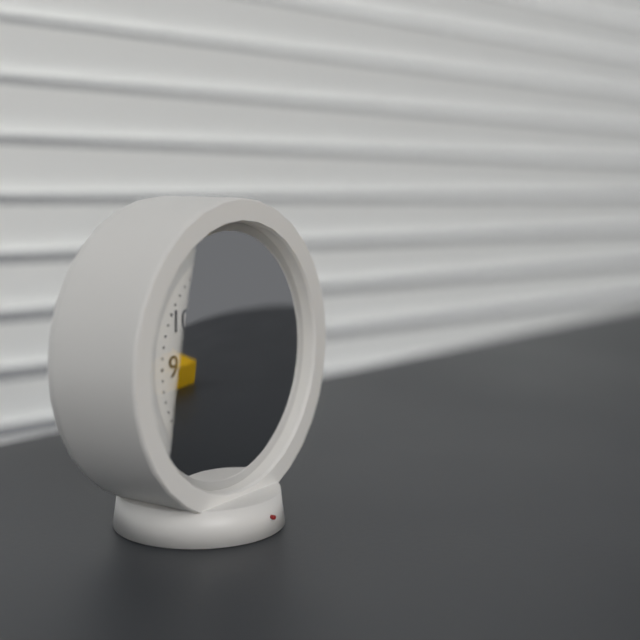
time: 8:31:56
